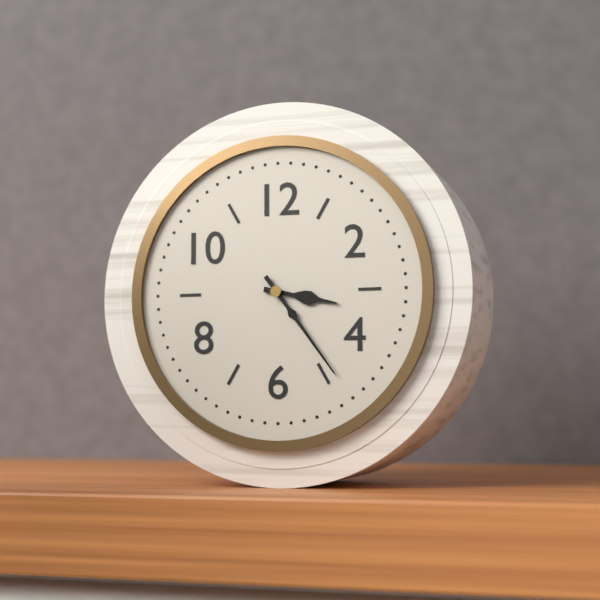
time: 3:24
